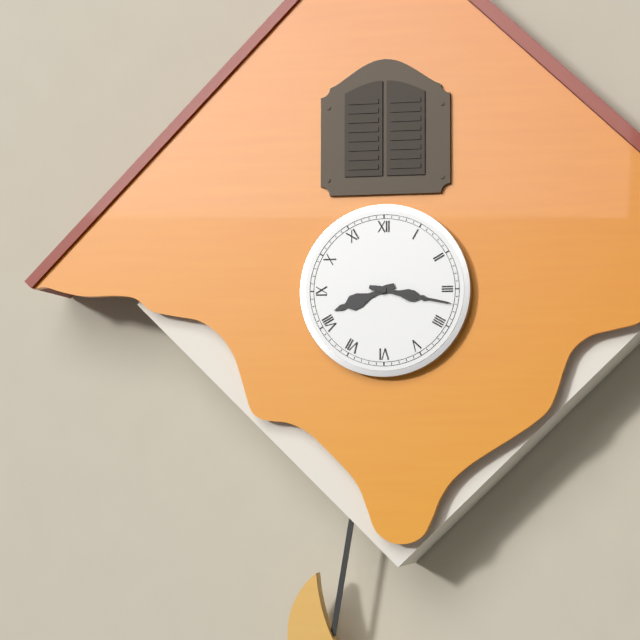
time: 8:17
